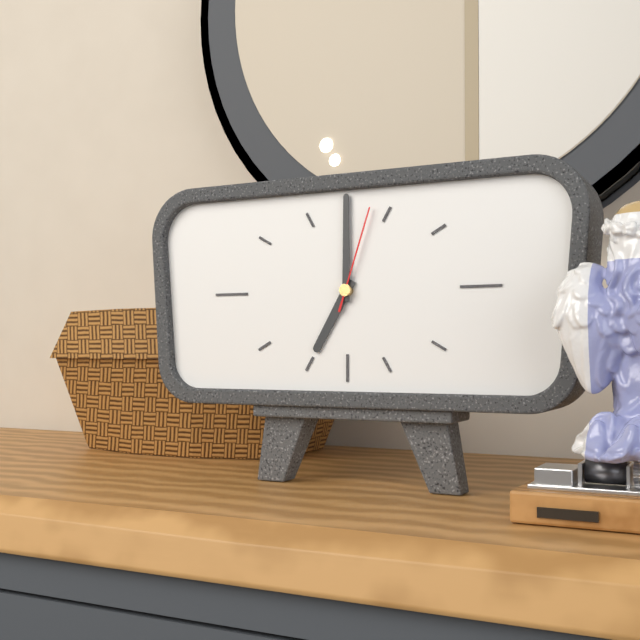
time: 7:00:03
